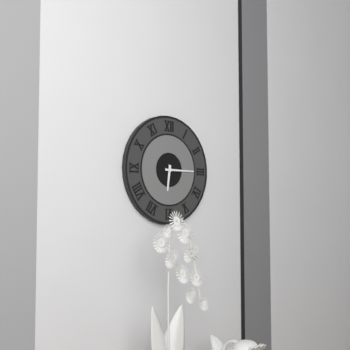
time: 6:15
